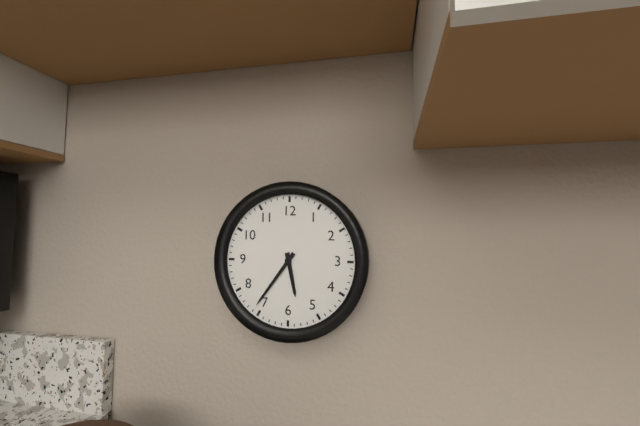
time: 5:36
